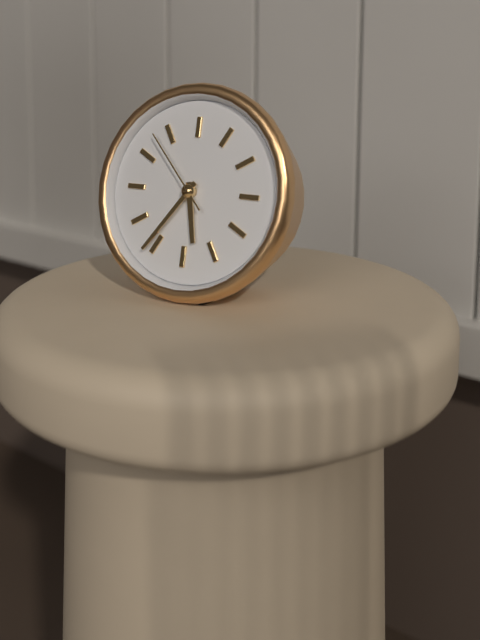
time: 5:36:53
